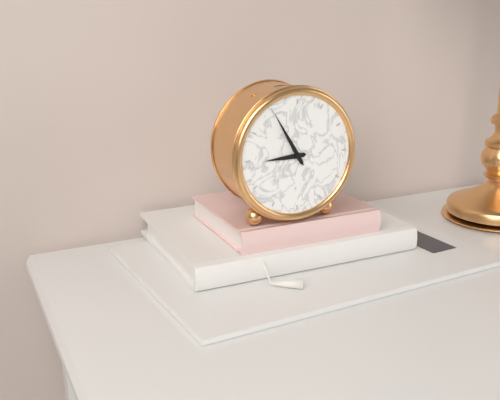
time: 8:55
